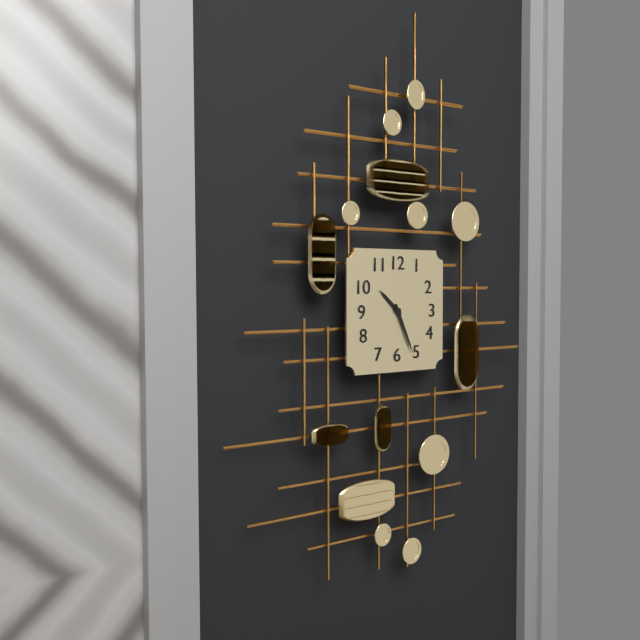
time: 10:26
